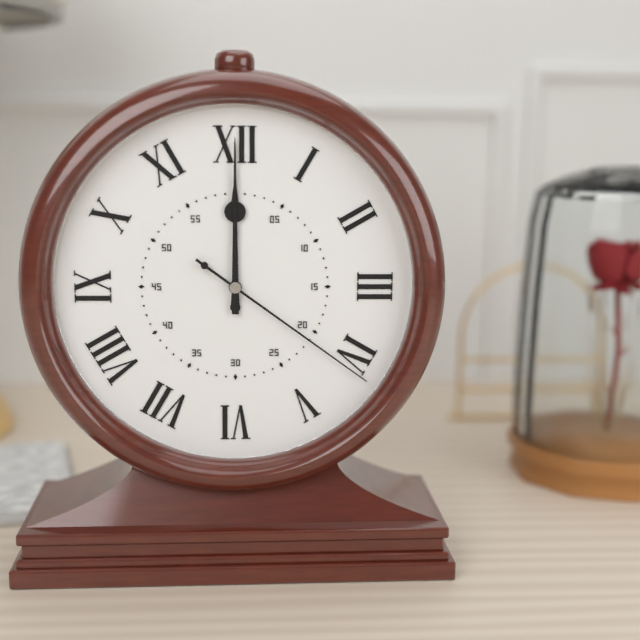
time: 12:00:21
